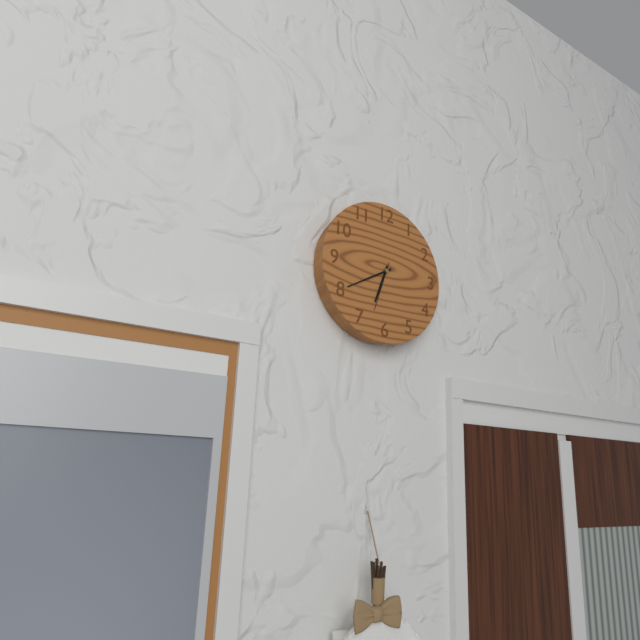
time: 6:40:33
